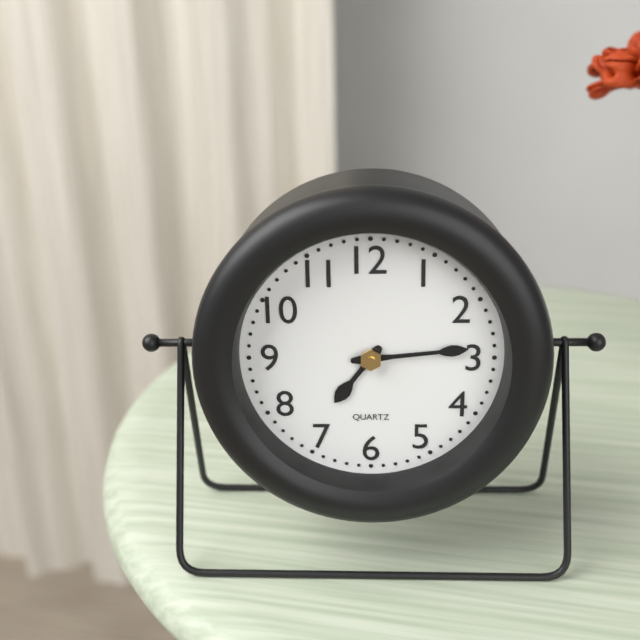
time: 7:14
